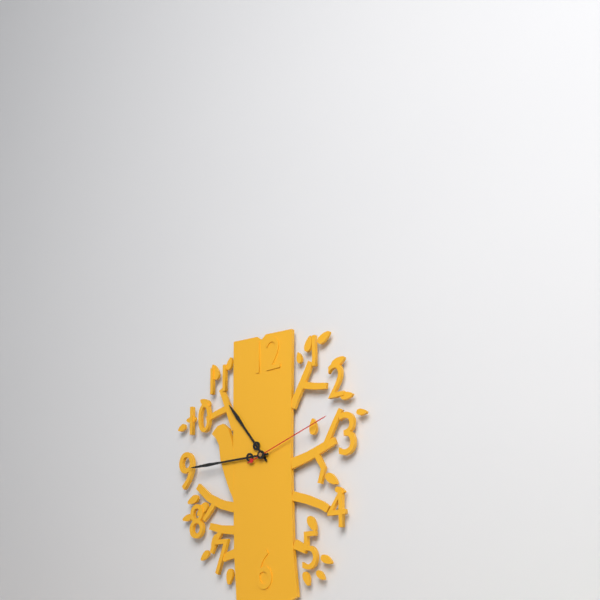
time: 10:45:12
